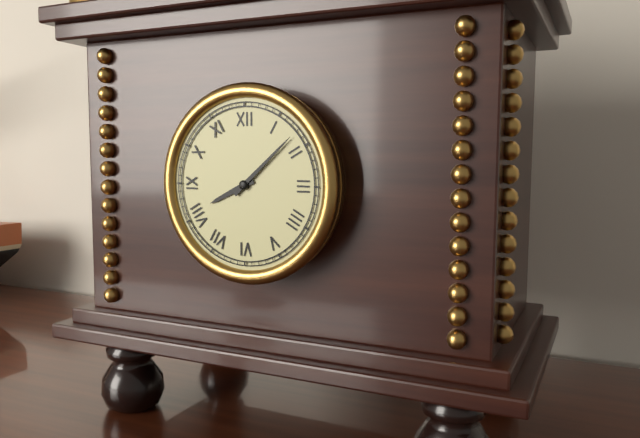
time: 8:08
